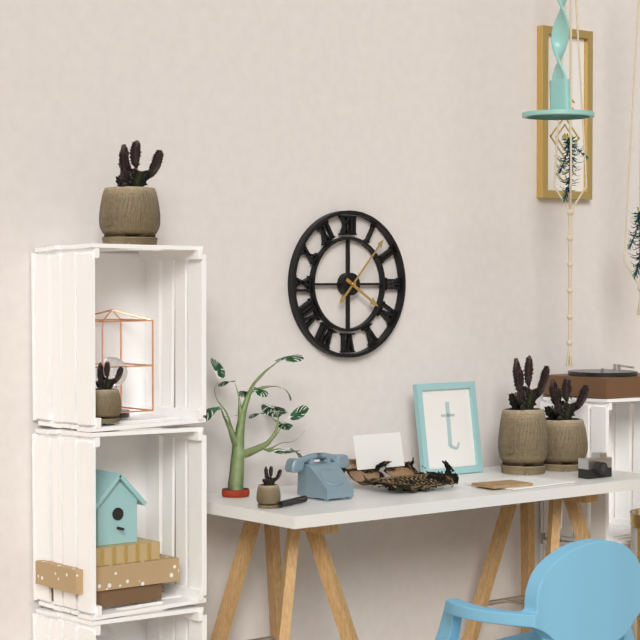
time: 4:07
